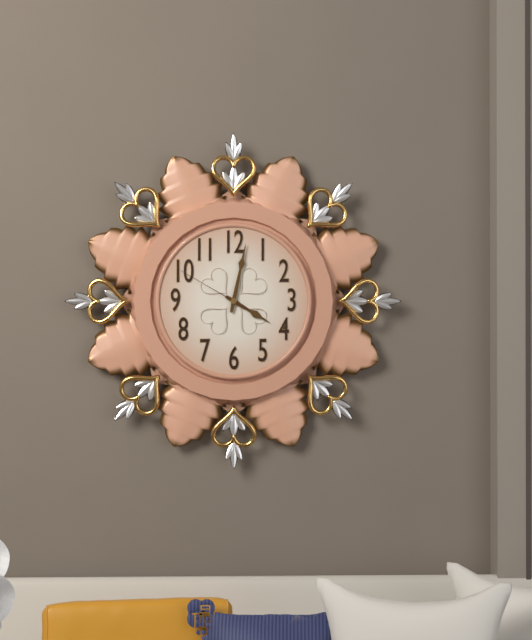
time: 4:02:50
